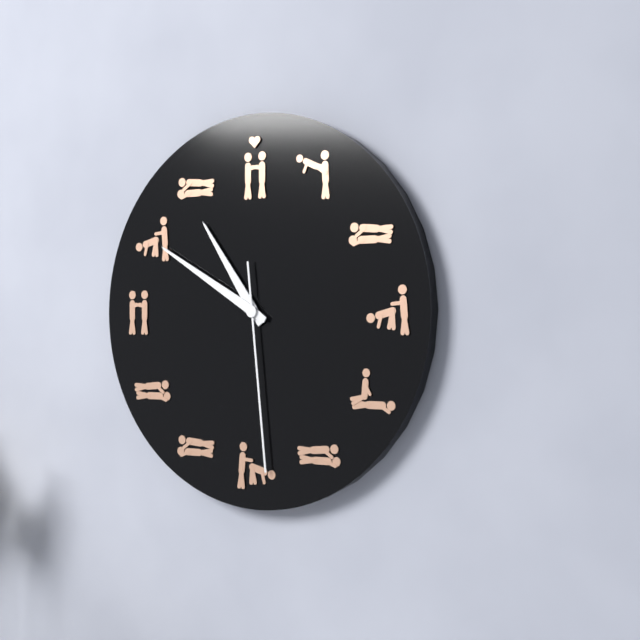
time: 10:50:29
